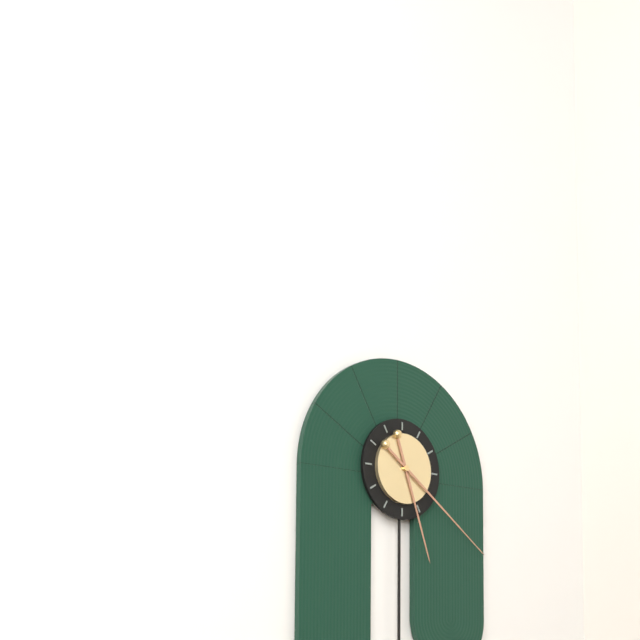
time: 5:21
